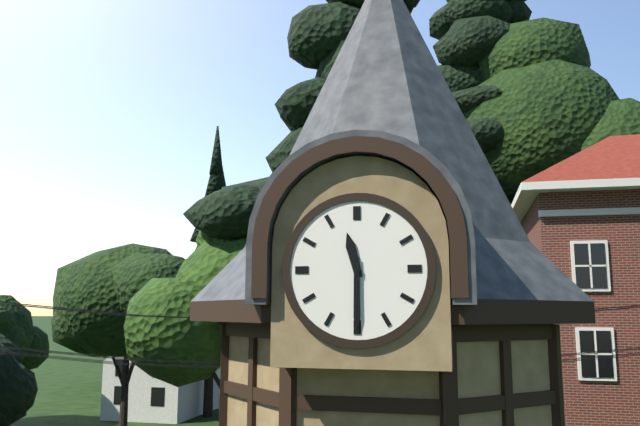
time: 11:30
